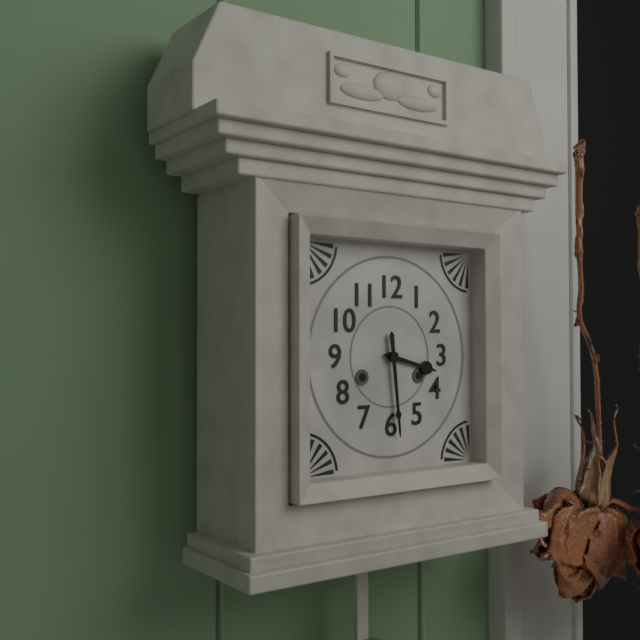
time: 3:29
